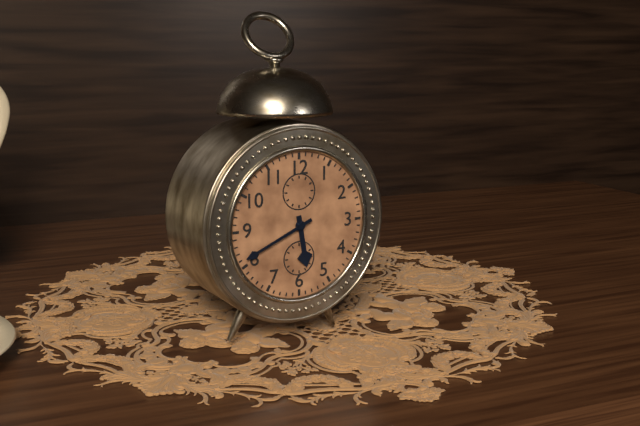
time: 5:41
